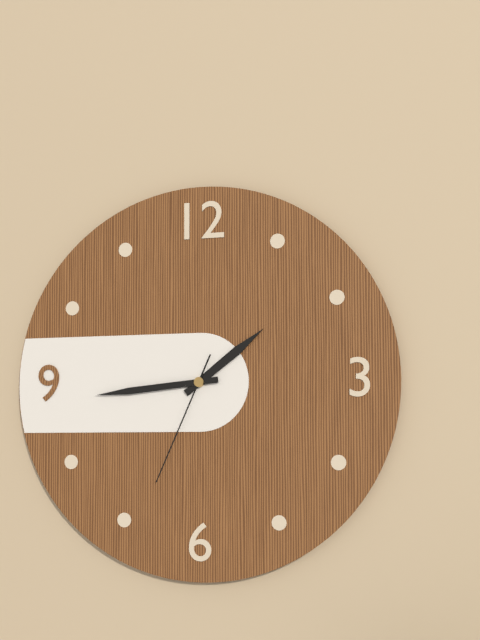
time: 1:44:34
